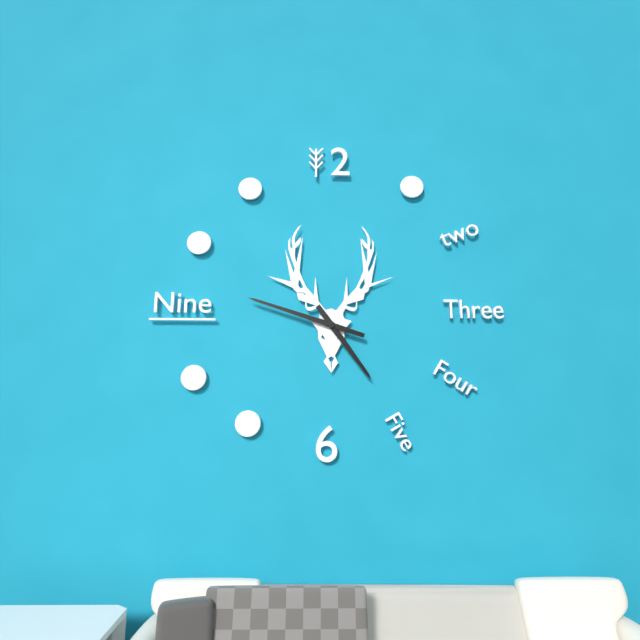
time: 4:48
